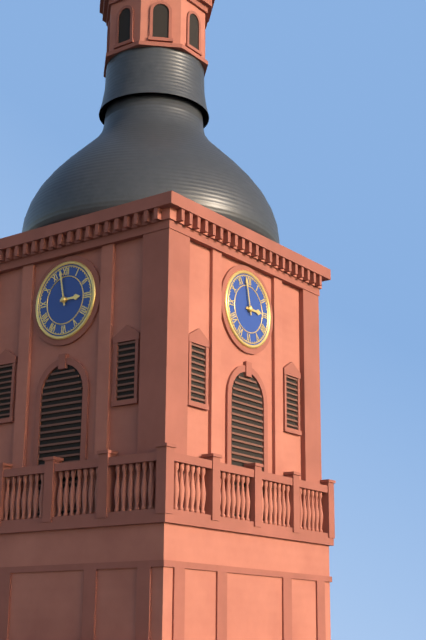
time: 2:58
